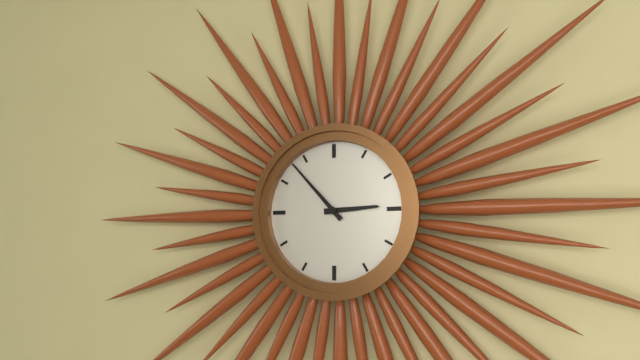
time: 2:53
